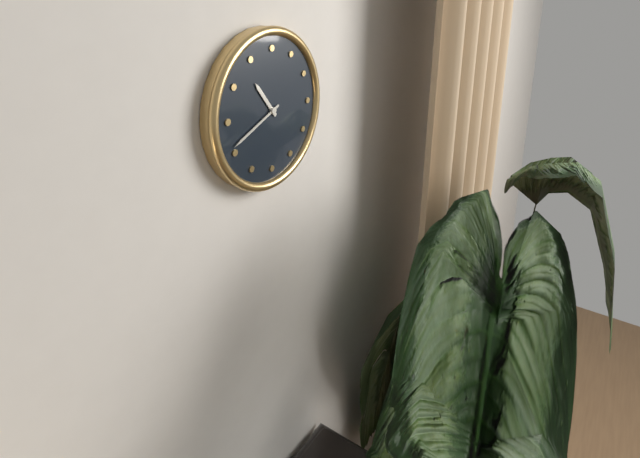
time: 10:41
